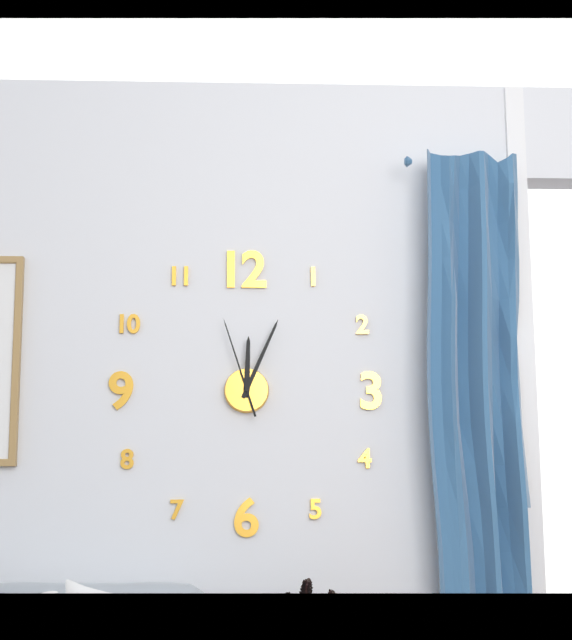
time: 12:04:57
